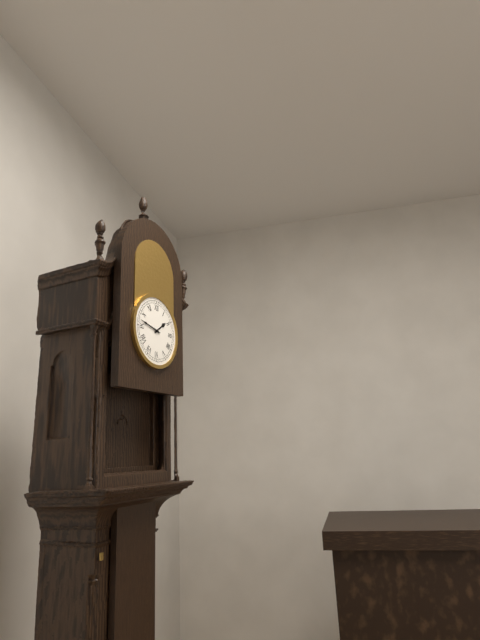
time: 1:47
